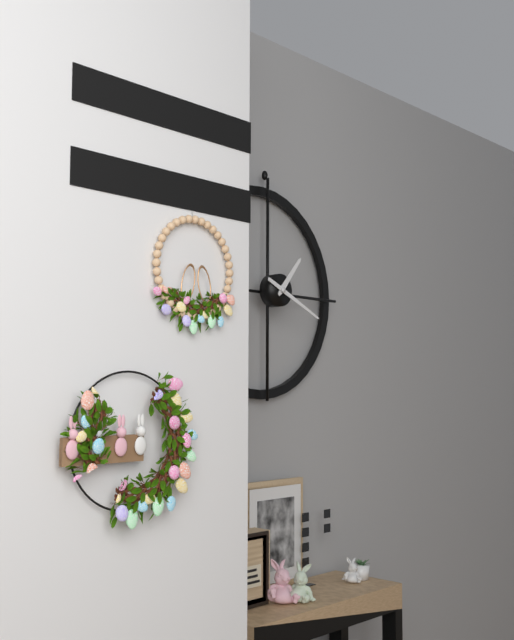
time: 1:19
